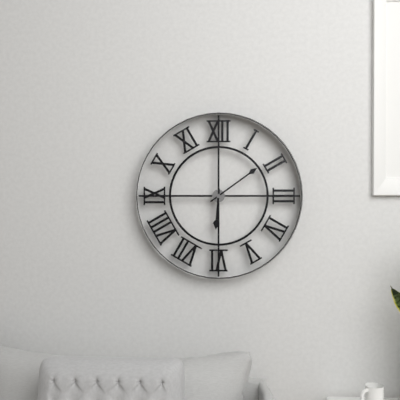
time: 6:09
